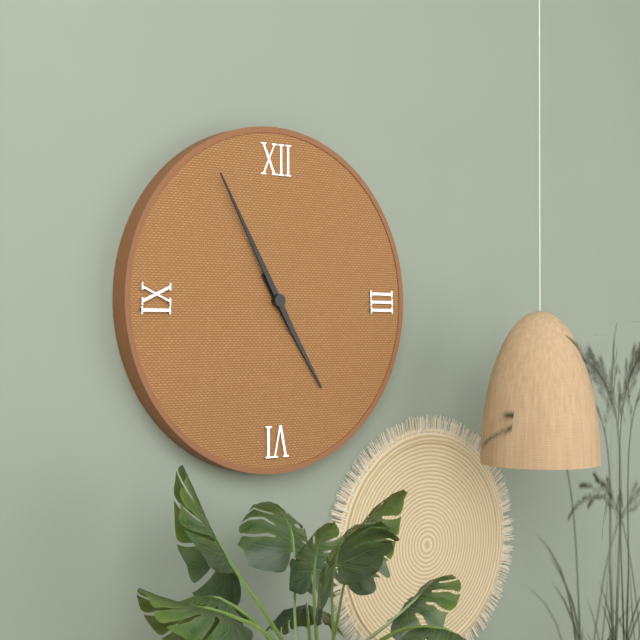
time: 4:55
